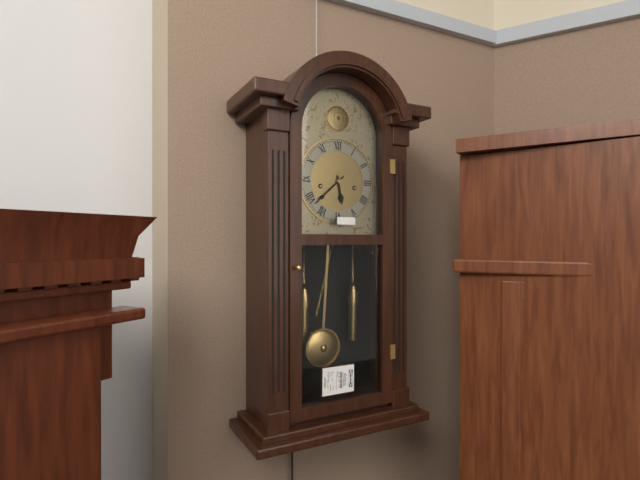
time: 5:38
